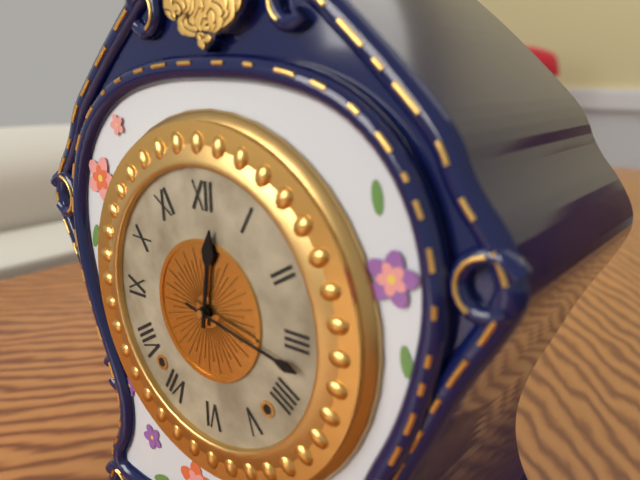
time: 12:17
